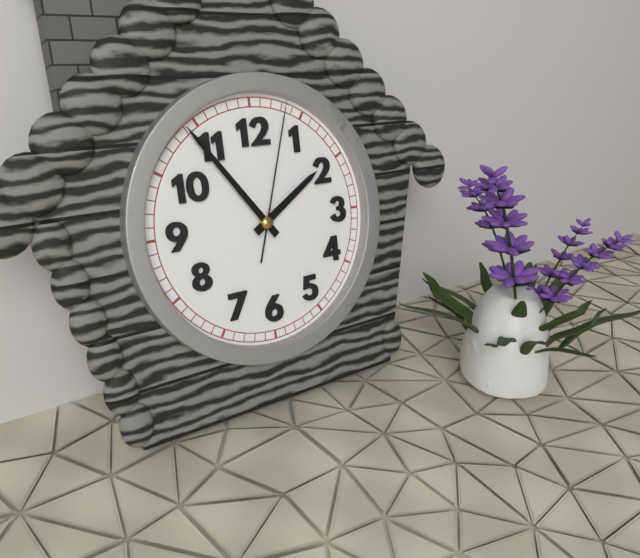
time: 1:54:03
